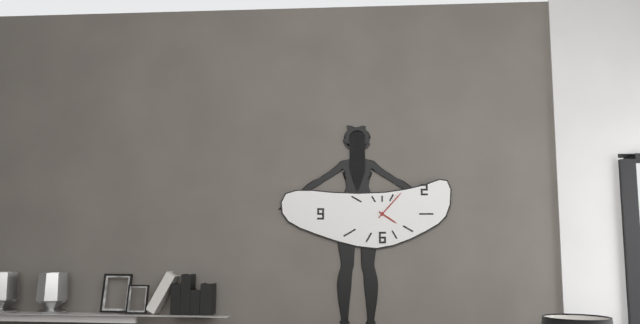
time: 4:07
